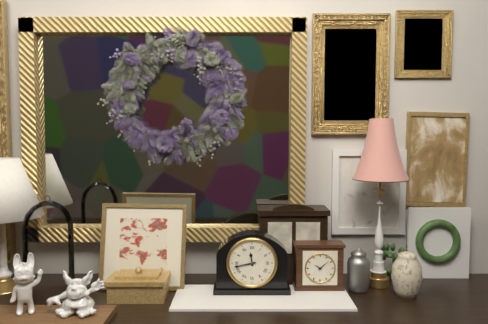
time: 11:43
